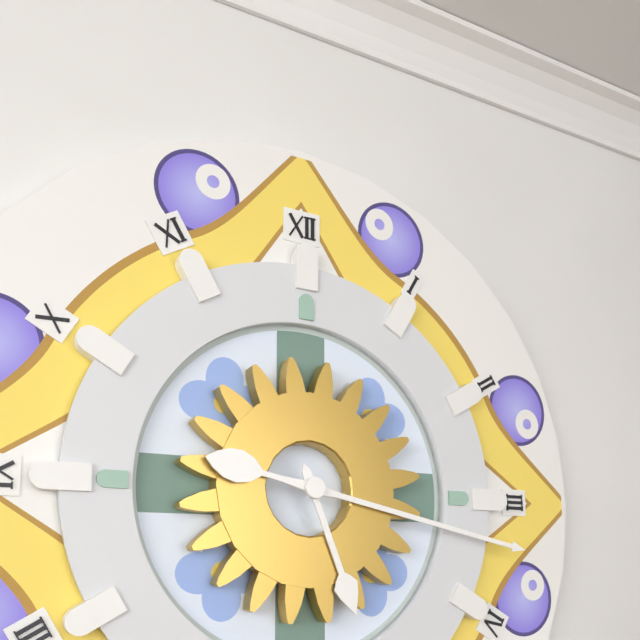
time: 5:17
